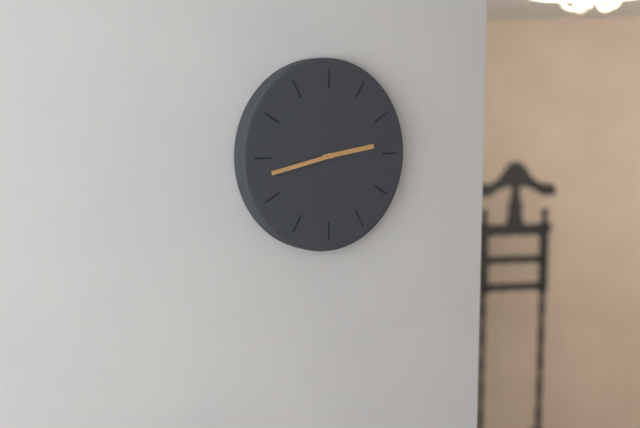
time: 2:43
